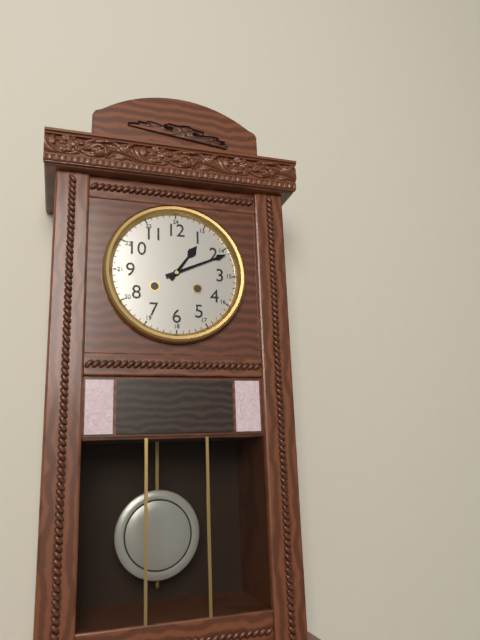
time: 1:11
